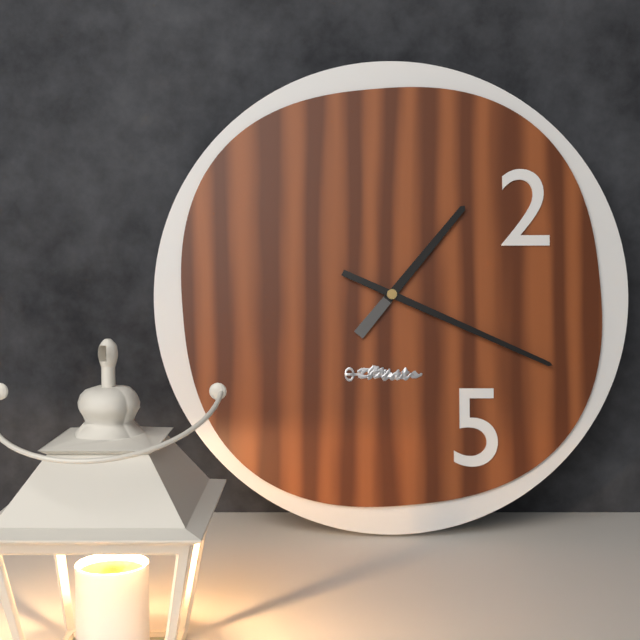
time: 1:19
